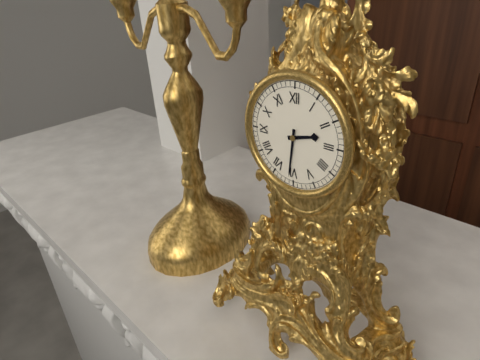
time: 2:31
